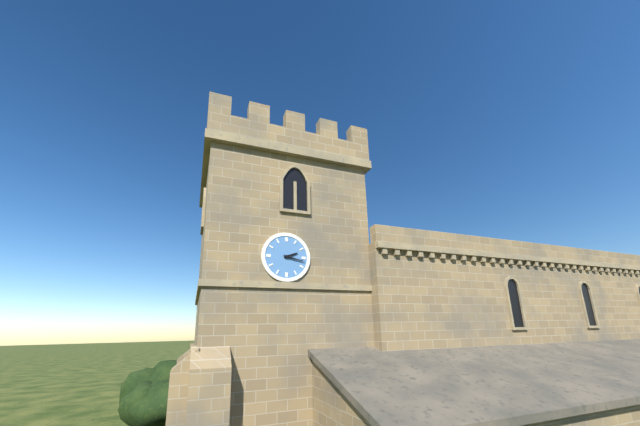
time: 2:17
